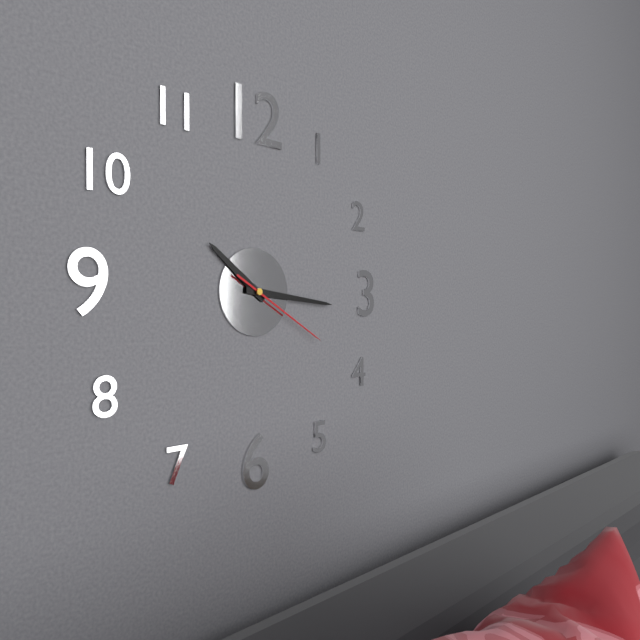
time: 10:16:20
